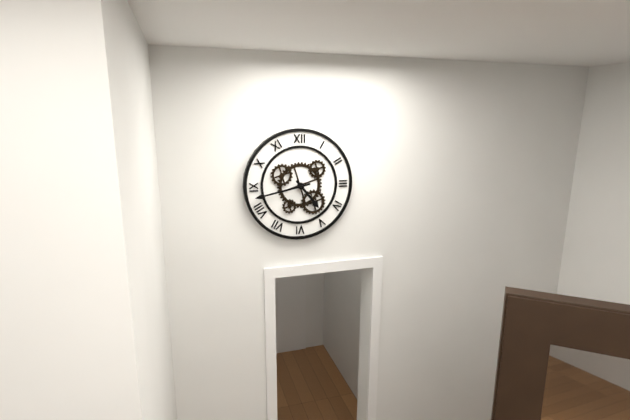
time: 4:43
